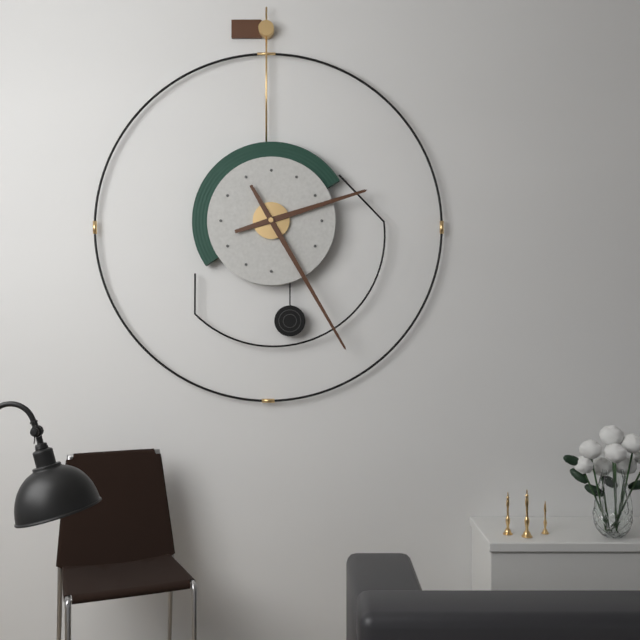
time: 2:25
